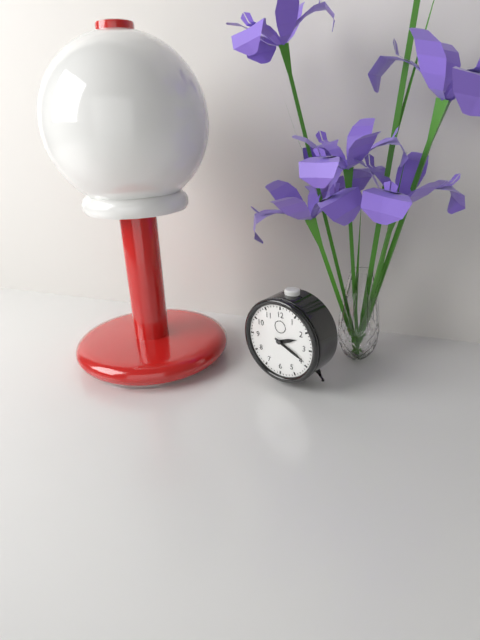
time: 2:19
